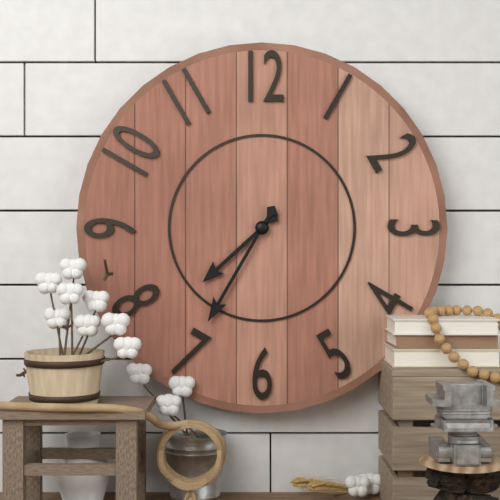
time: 7:35
